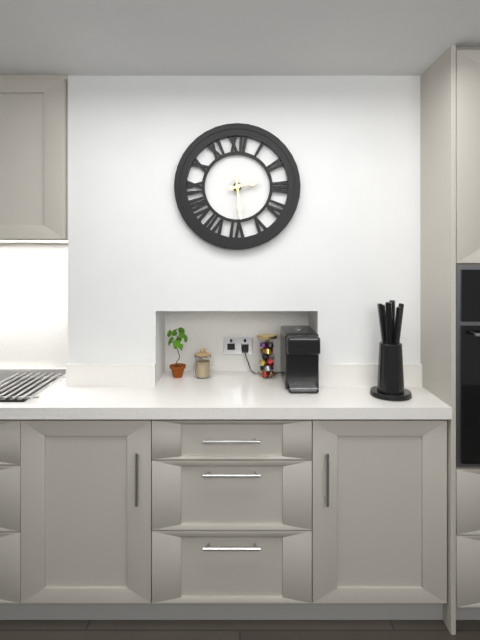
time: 2:29
